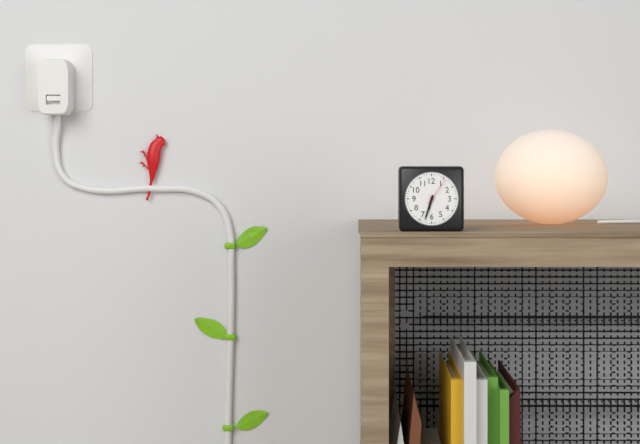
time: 6:33
